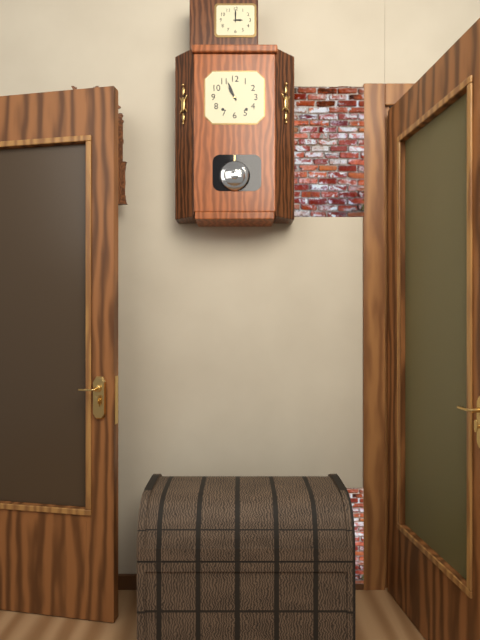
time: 10:56
